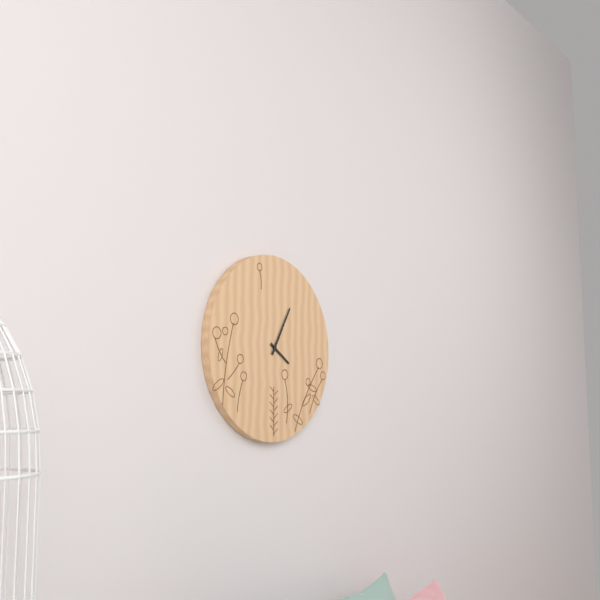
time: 4:05
